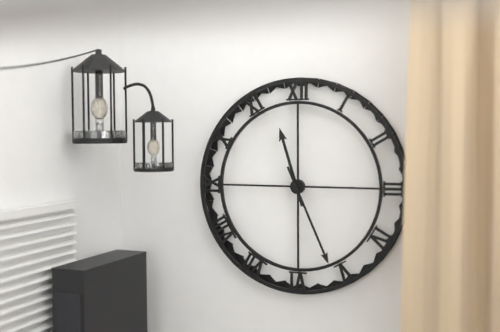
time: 11:26
